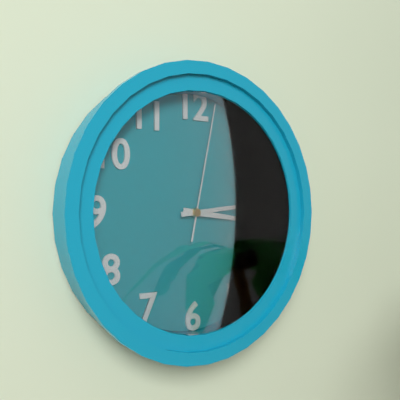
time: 3:14:02
